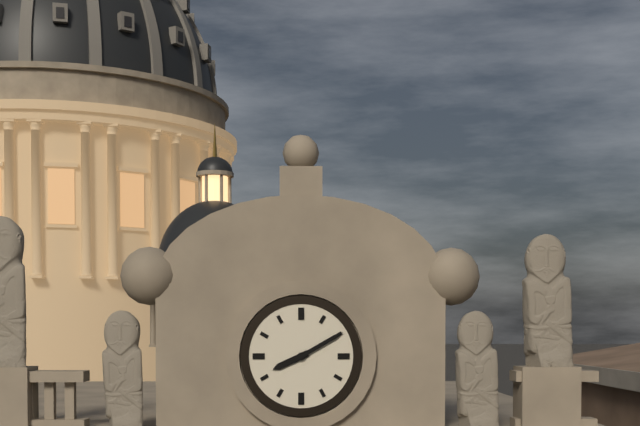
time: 8:10
